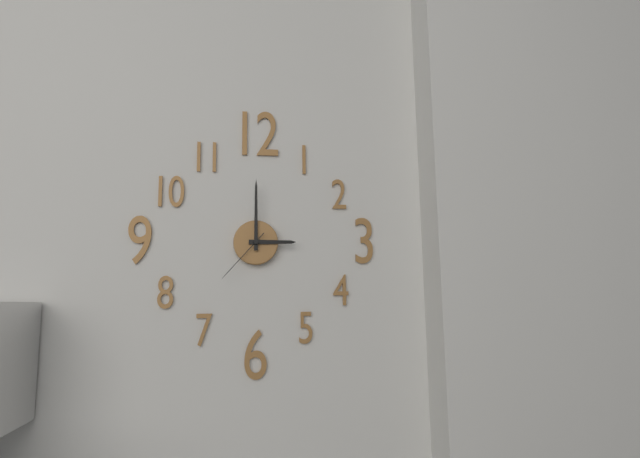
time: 3:00:37
